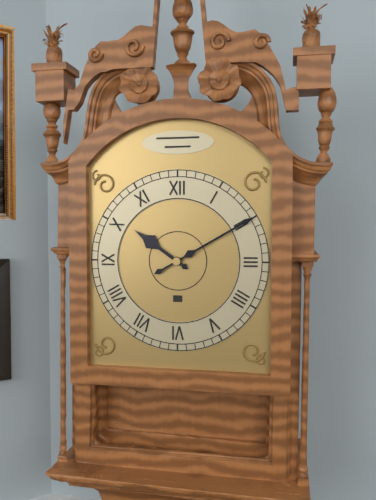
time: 10:10
